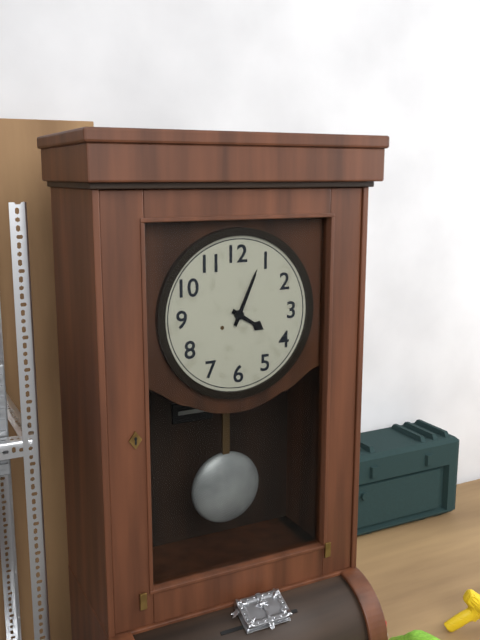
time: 4:04
